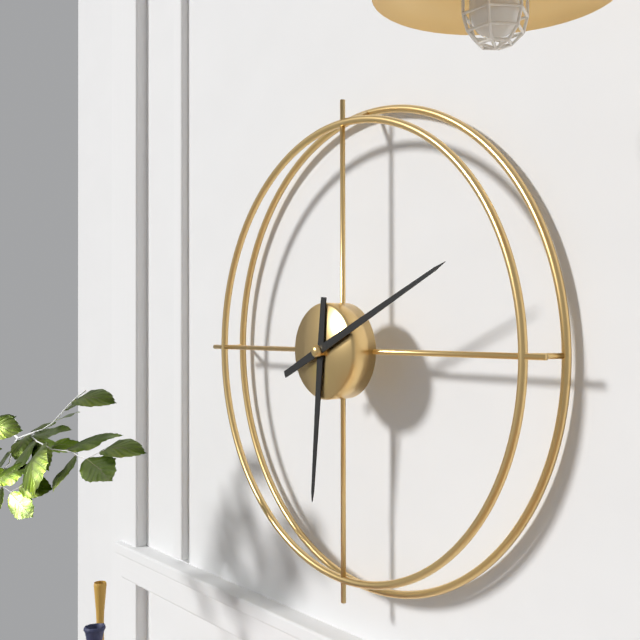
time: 6:11
